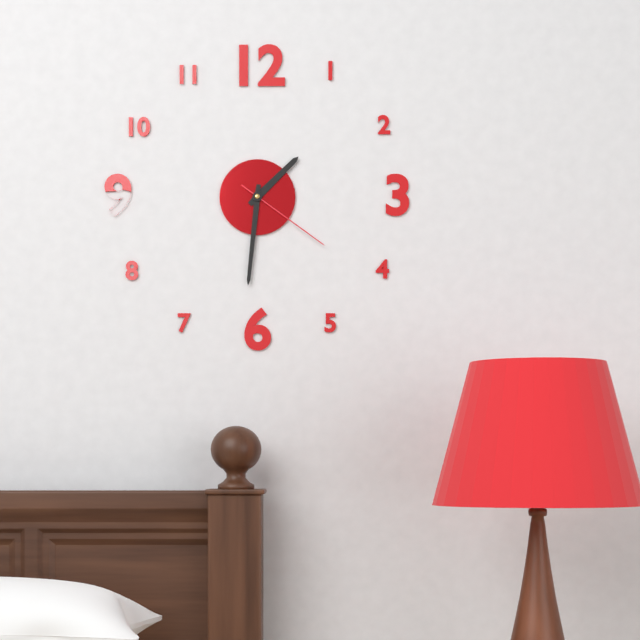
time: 1:31:21
